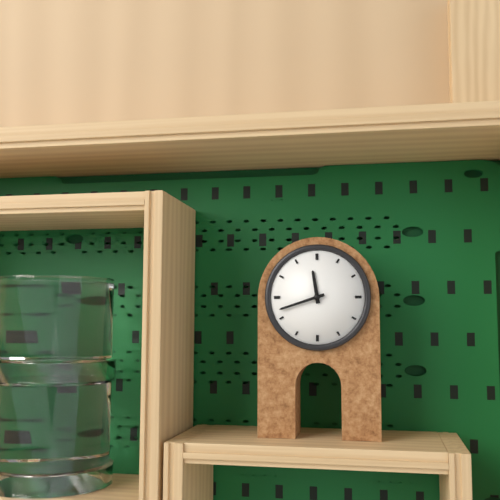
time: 11:42
